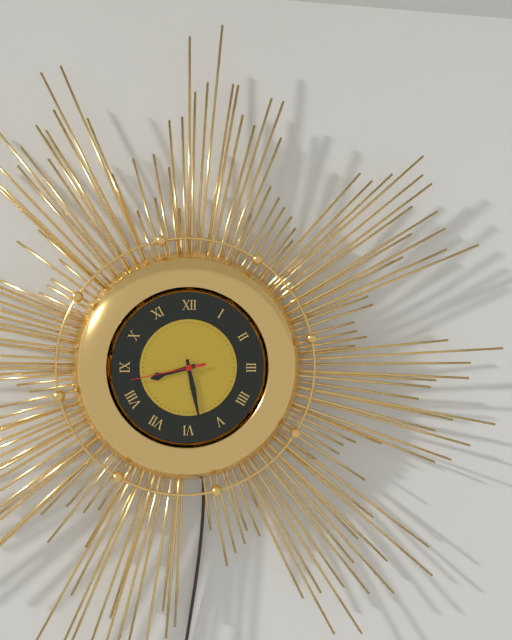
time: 8:28:43
